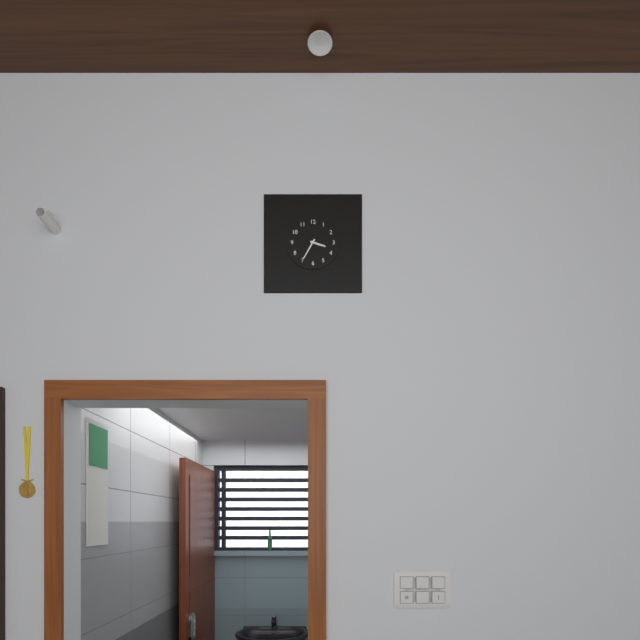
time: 3:35
